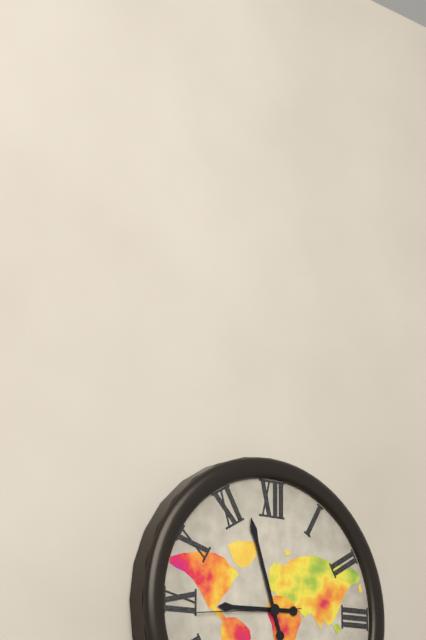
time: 8:57:44
